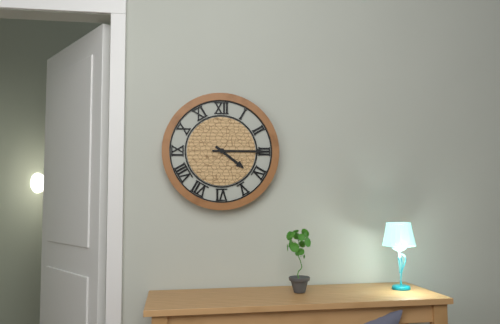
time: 4:15
